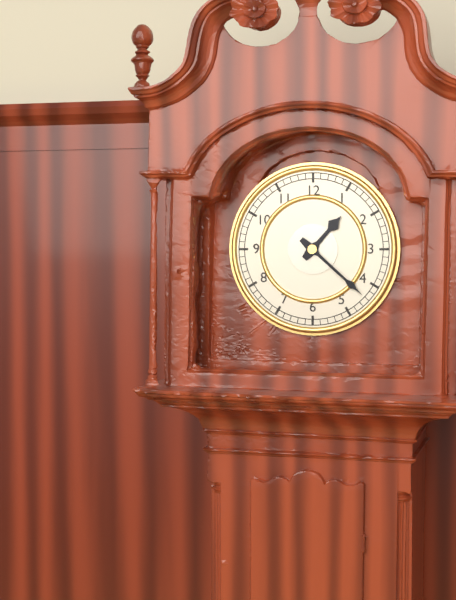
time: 1:22
